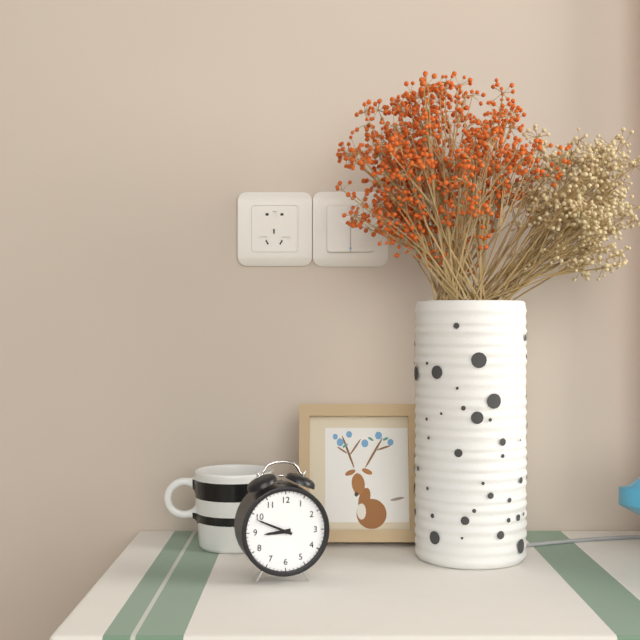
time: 8:49
